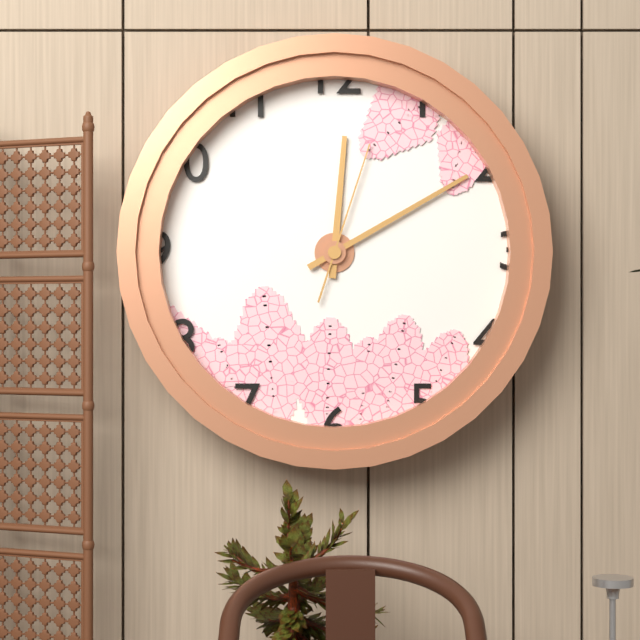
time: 12:10:03
